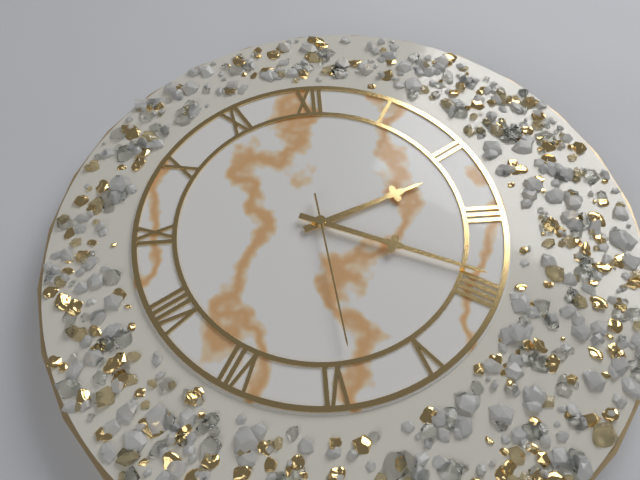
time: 2:19:29
